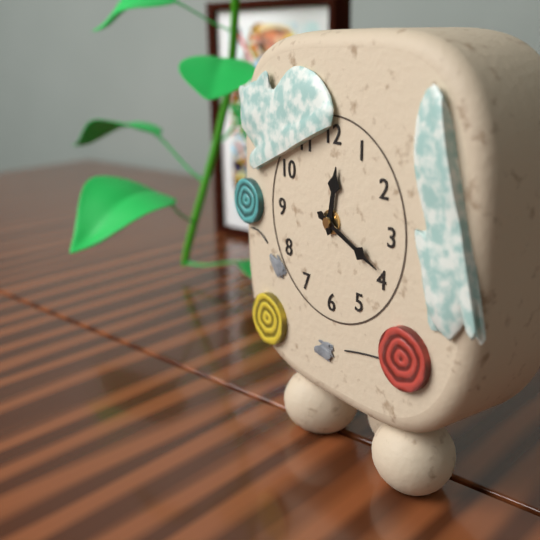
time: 12:19
